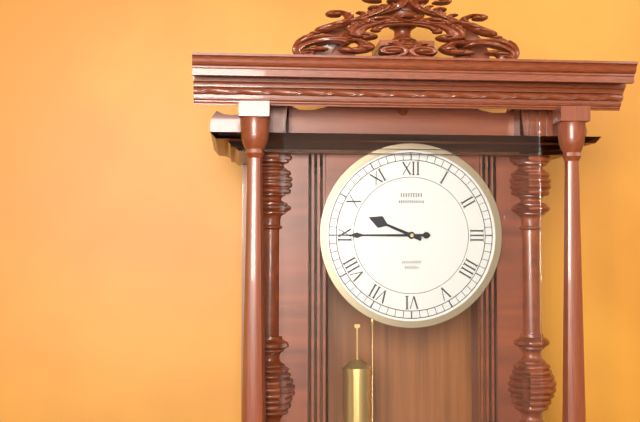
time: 9:45
